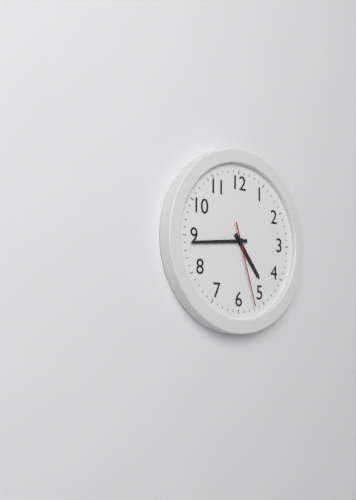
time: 4:44:27
